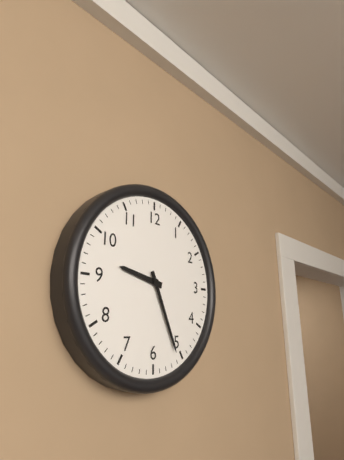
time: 9:26
